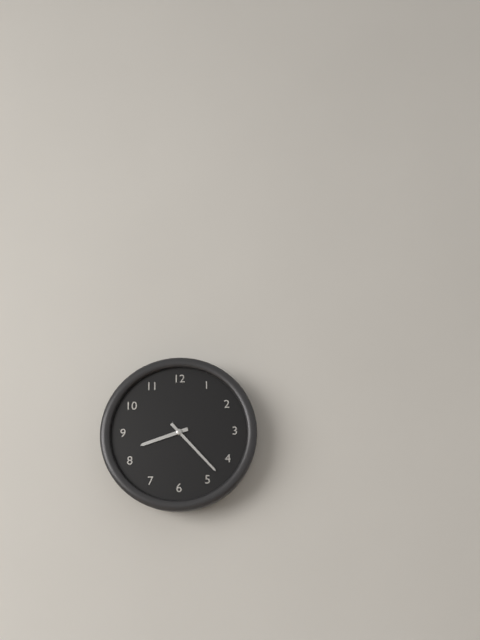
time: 8:23
